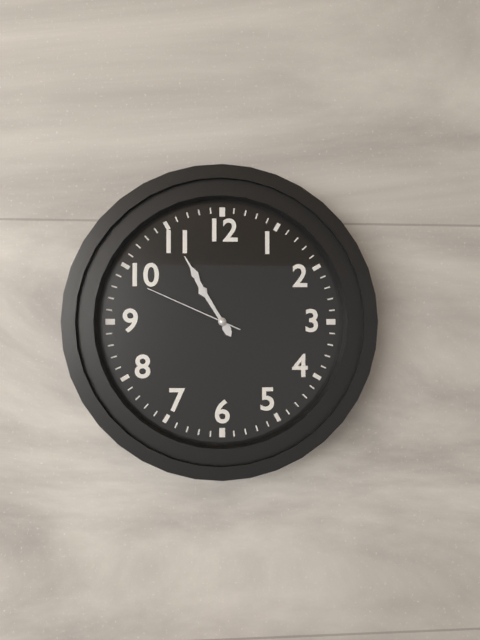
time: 10:55:49
